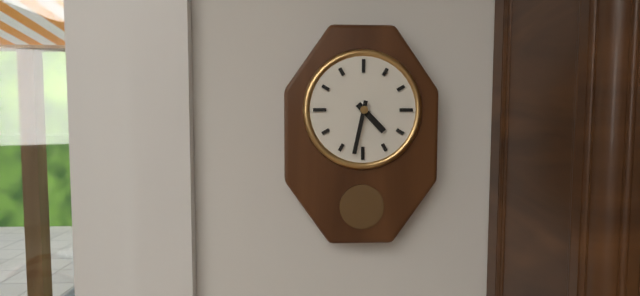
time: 4:32
